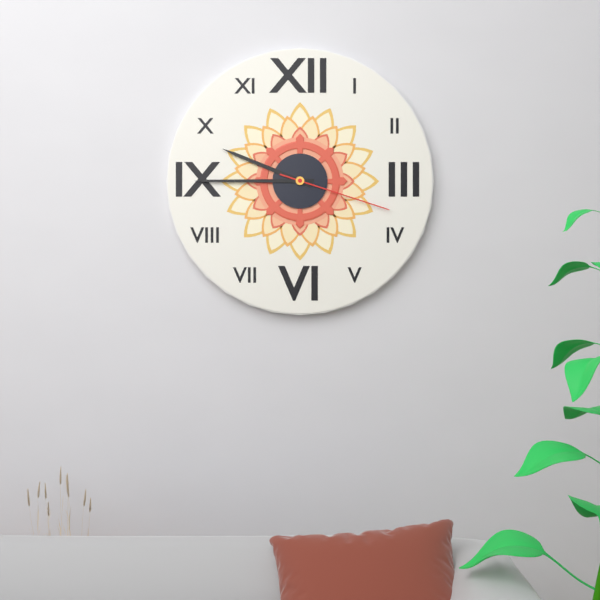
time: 9:45:18
